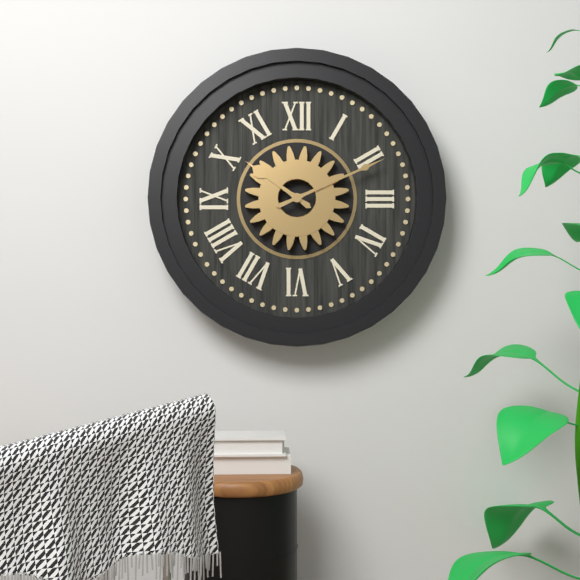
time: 10:11
